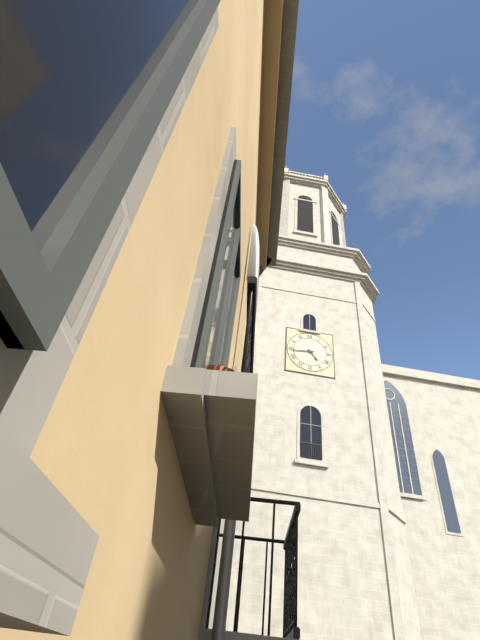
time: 4:44
